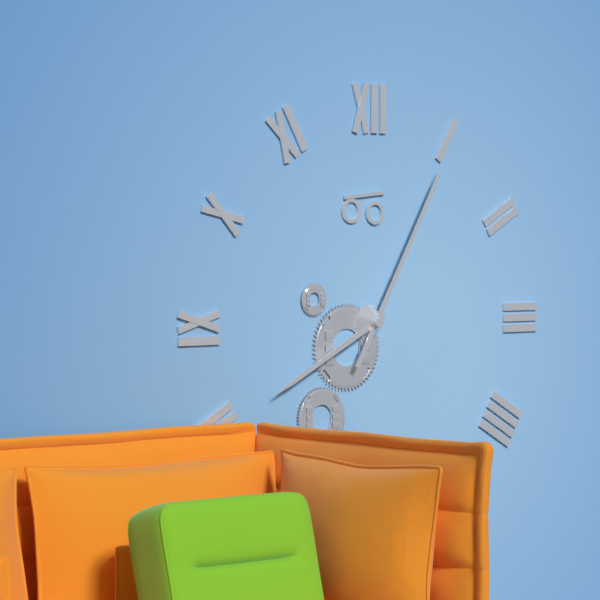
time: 8:05
